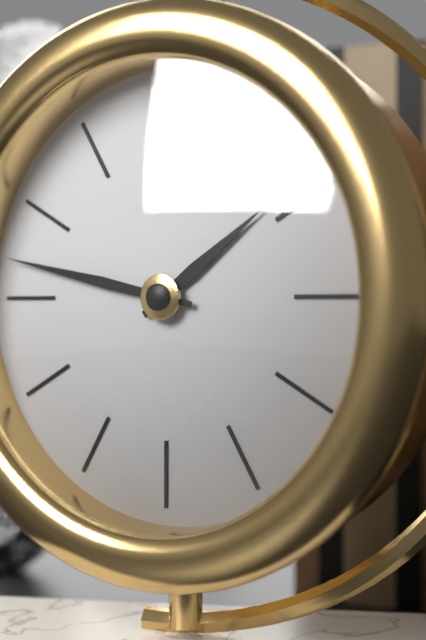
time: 1:47
